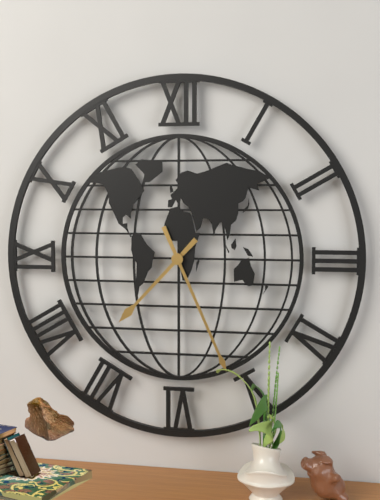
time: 7:26
